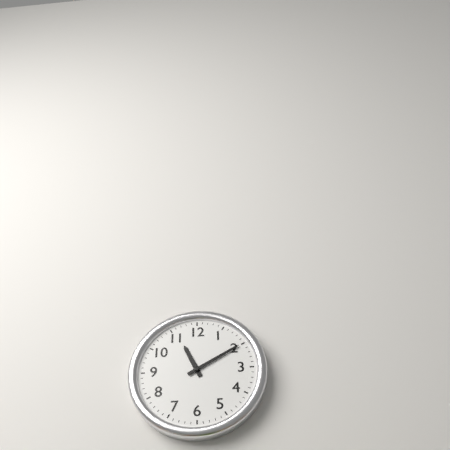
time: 11:10
